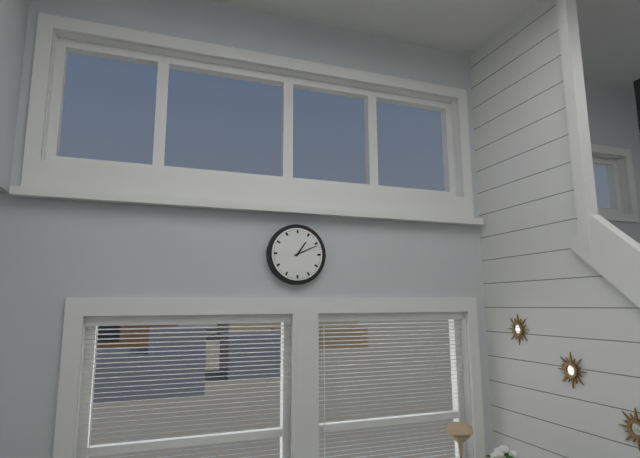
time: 1:11
